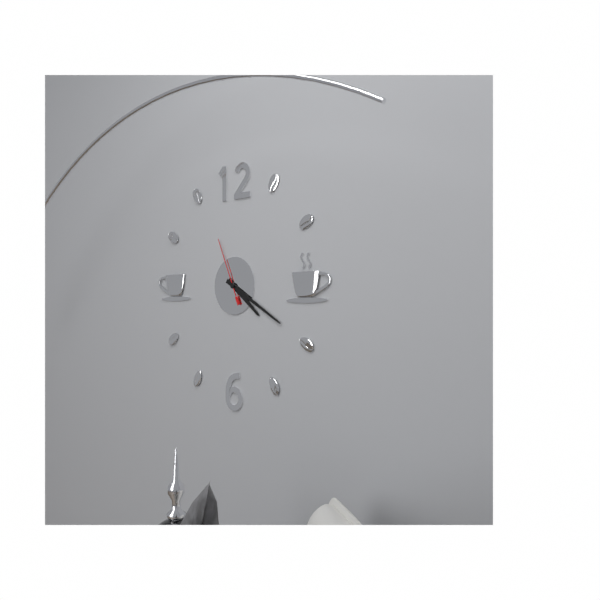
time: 4:20:56
